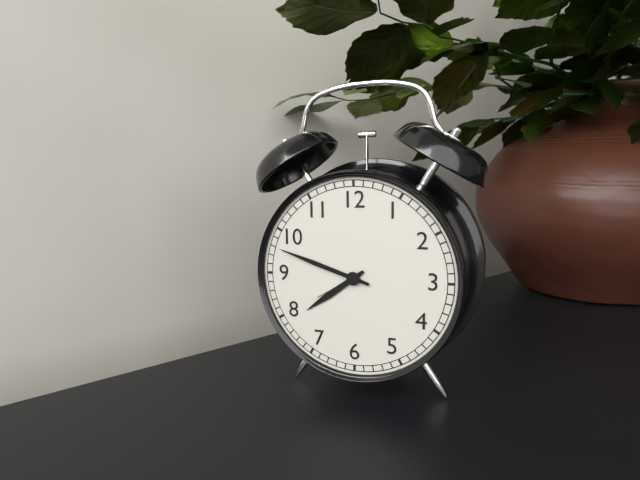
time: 7:48
